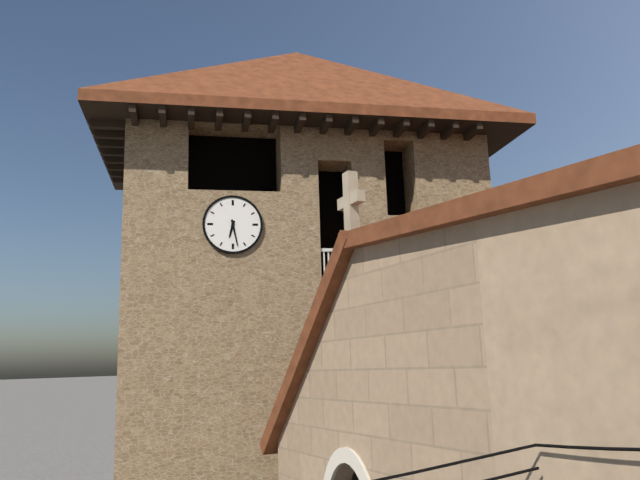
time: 6:28
